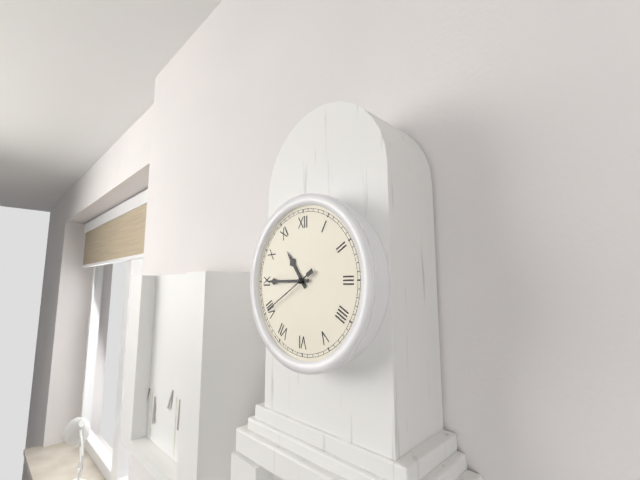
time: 10:45:40
